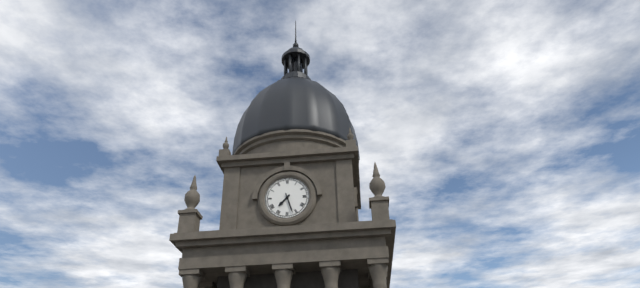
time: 7:27
